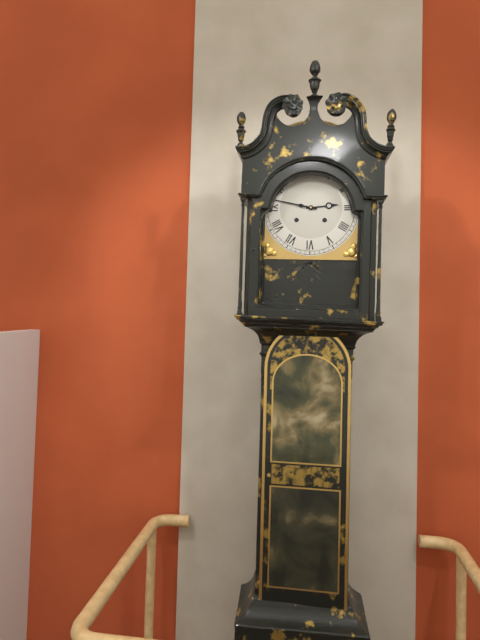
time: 2:47
